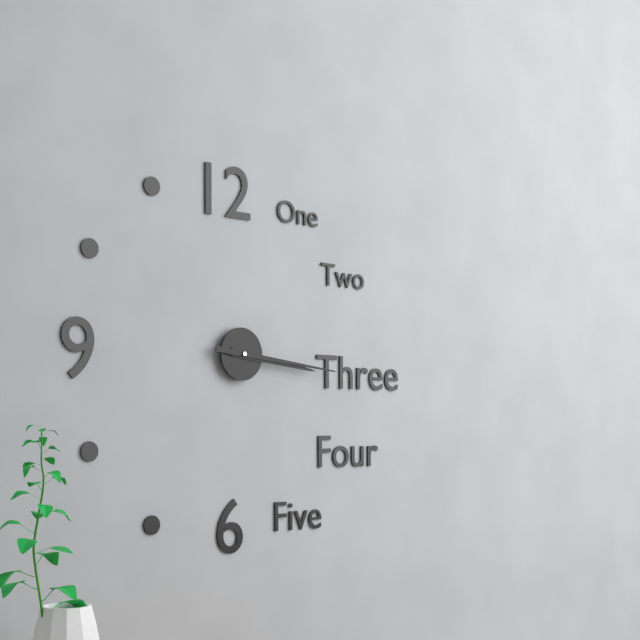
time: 3:16
